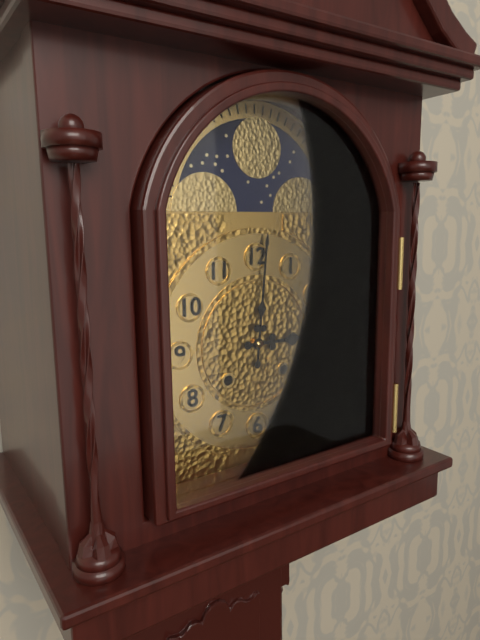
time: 3:01
